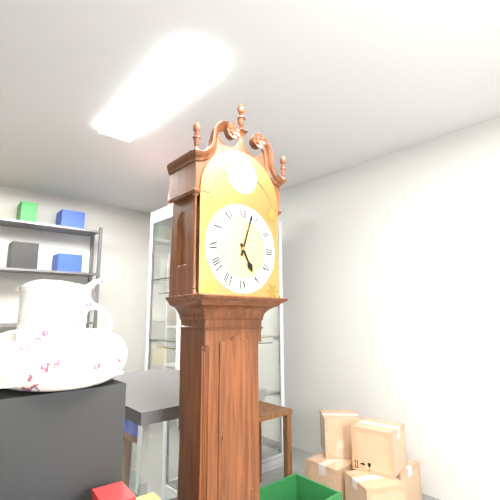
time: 5:03
